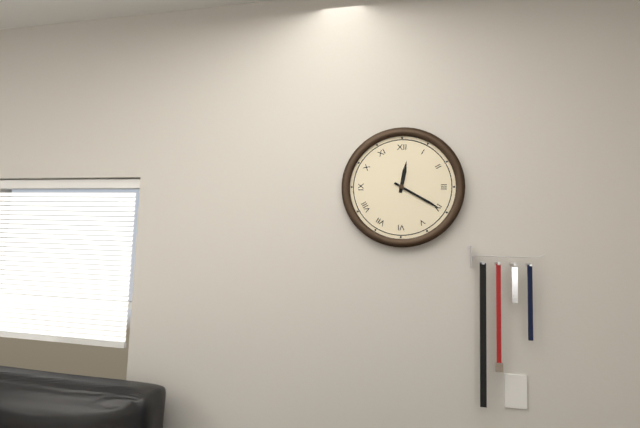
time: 12:20
